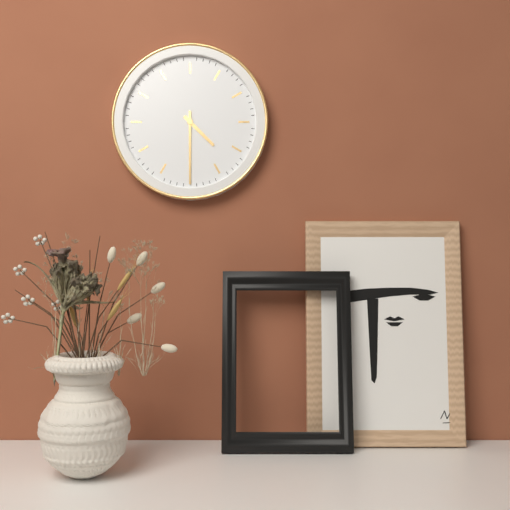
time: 4:30
